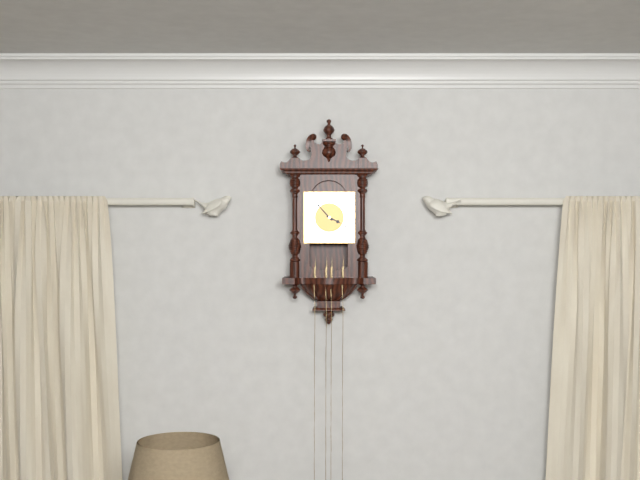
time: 3:53
